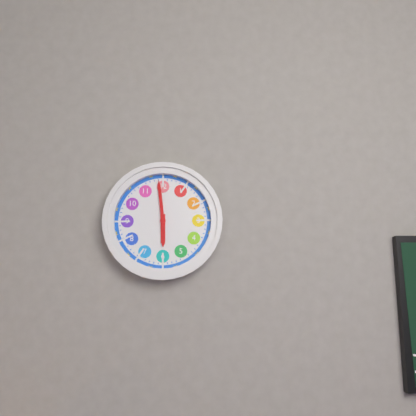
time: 5:59
